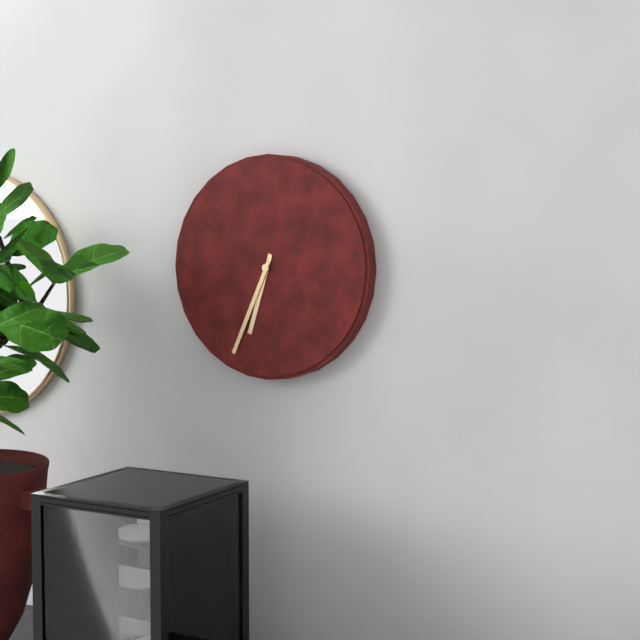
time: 6:34
